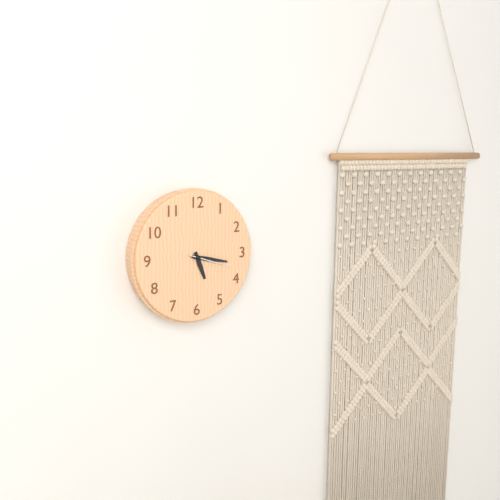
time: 5:17
